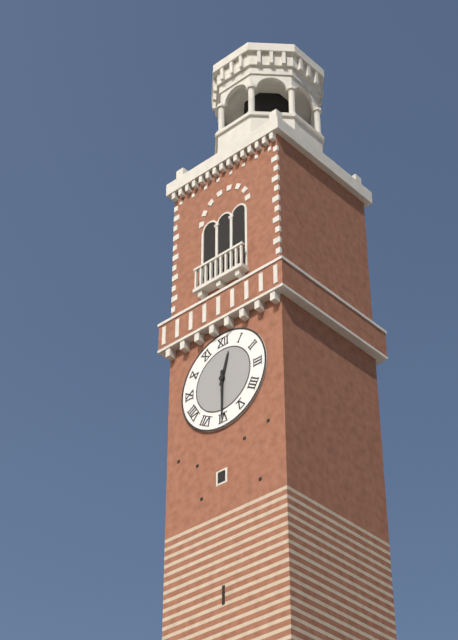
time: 12:30
